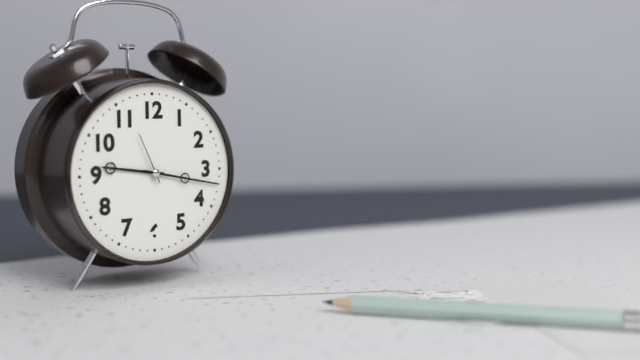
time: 9:17:56
